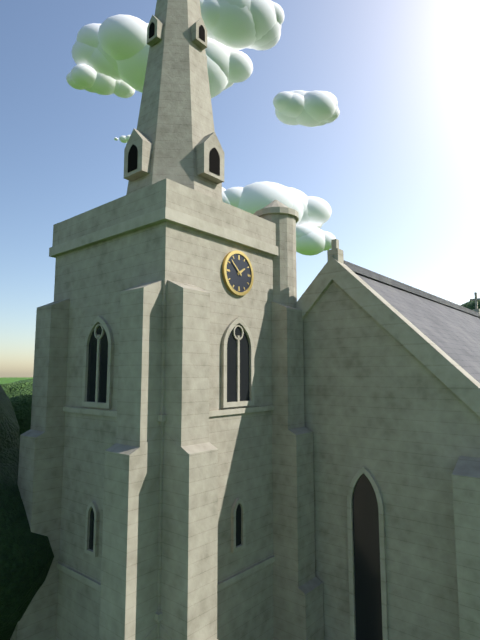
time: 1:52
